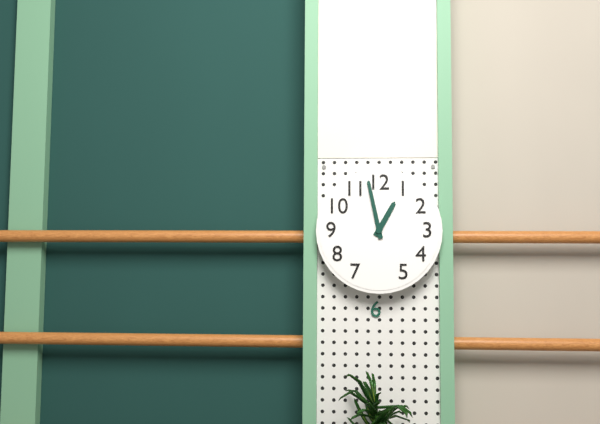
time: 12:58
